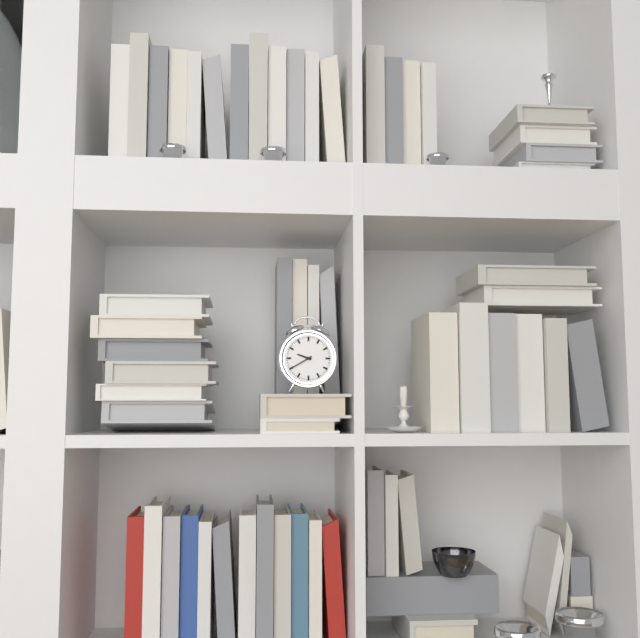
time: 9:40
